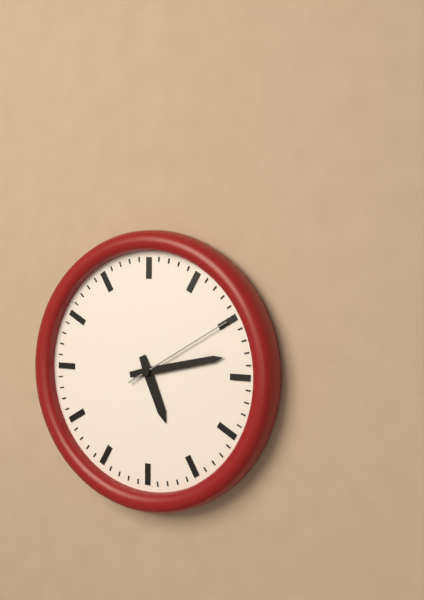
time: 5:13:10
